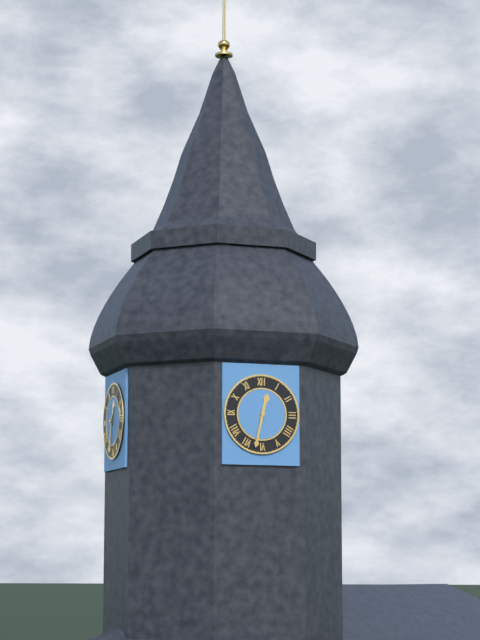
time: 12:32
